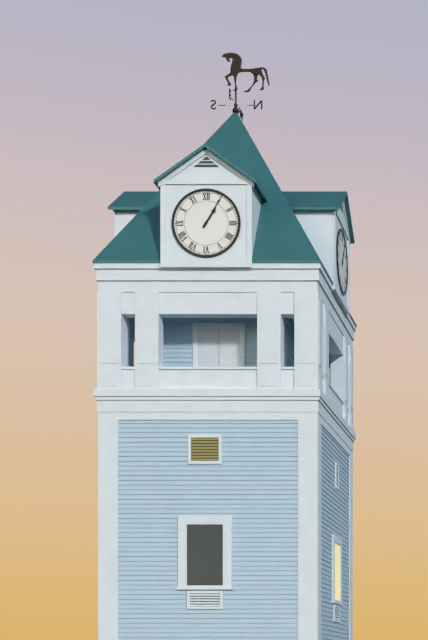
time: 1:05
